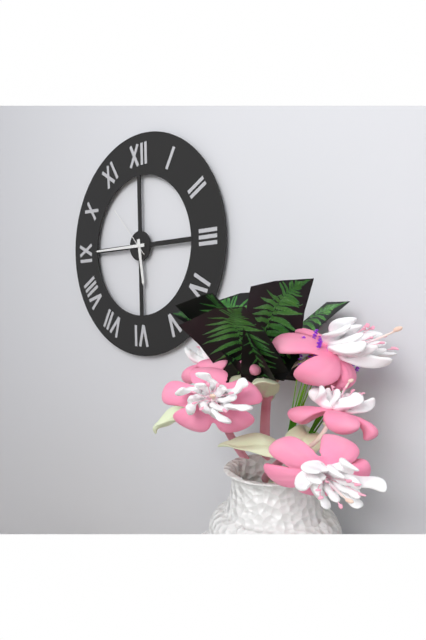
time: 5:45:53
